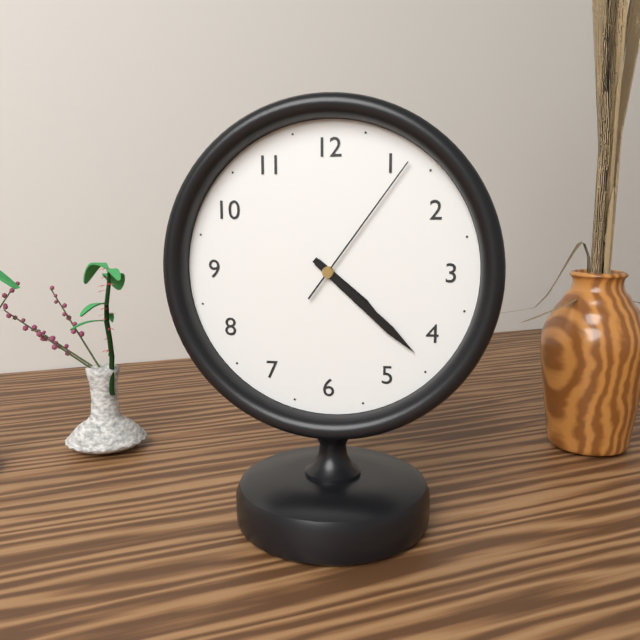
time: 4:22:06
